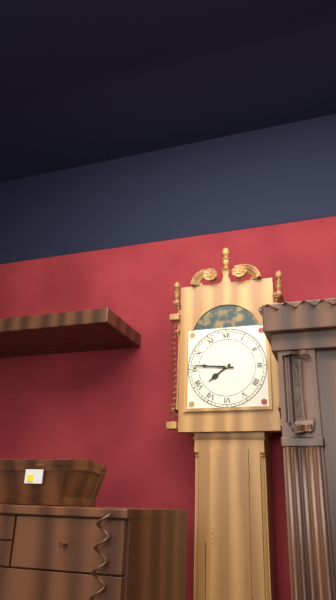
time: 7:46
